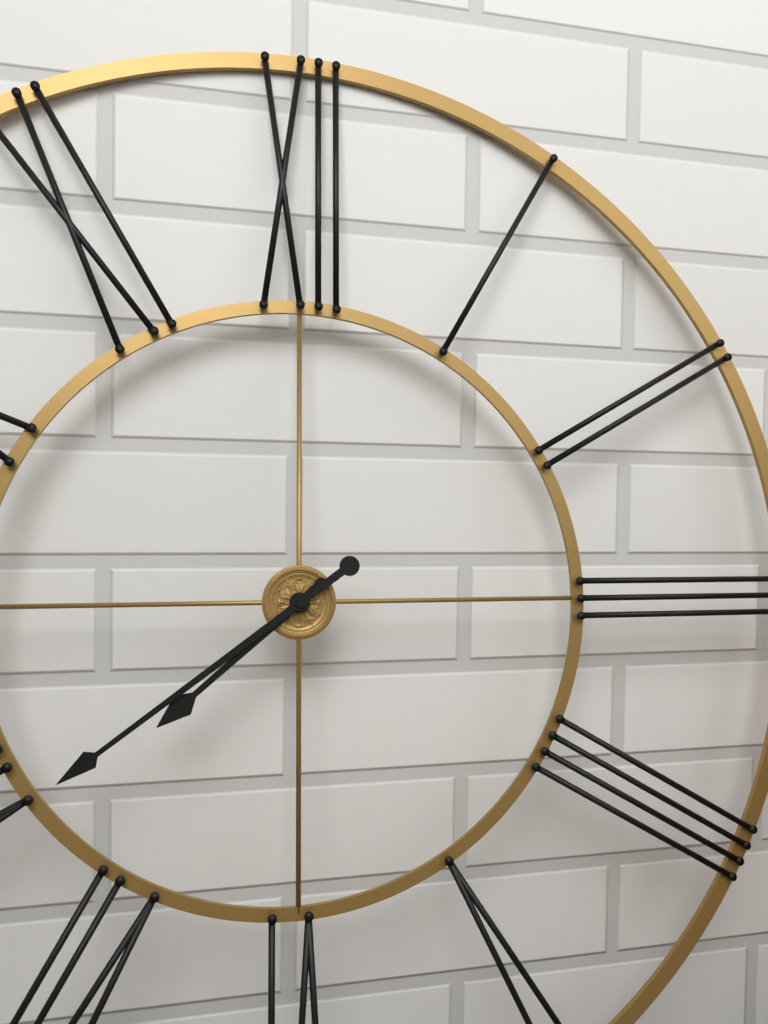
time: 7:39
